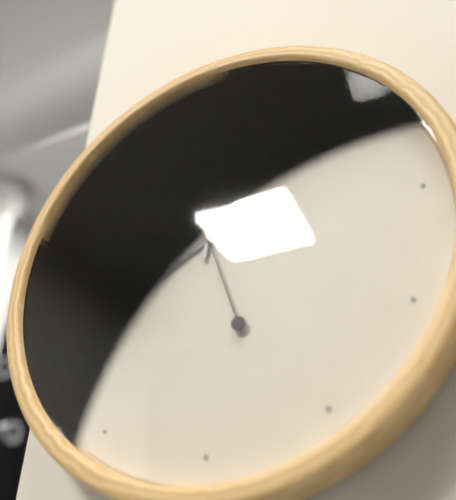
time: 8:02:57
